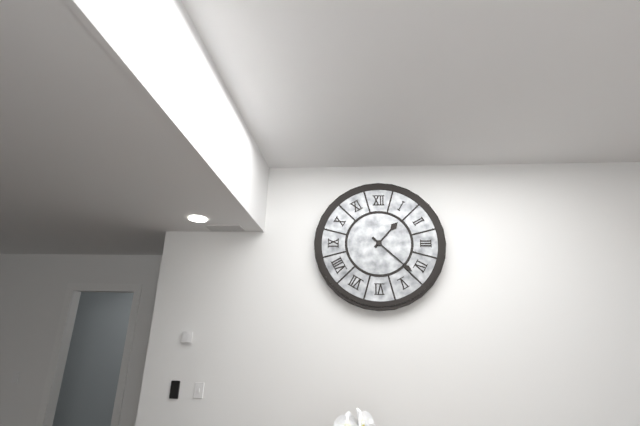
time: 1:22
